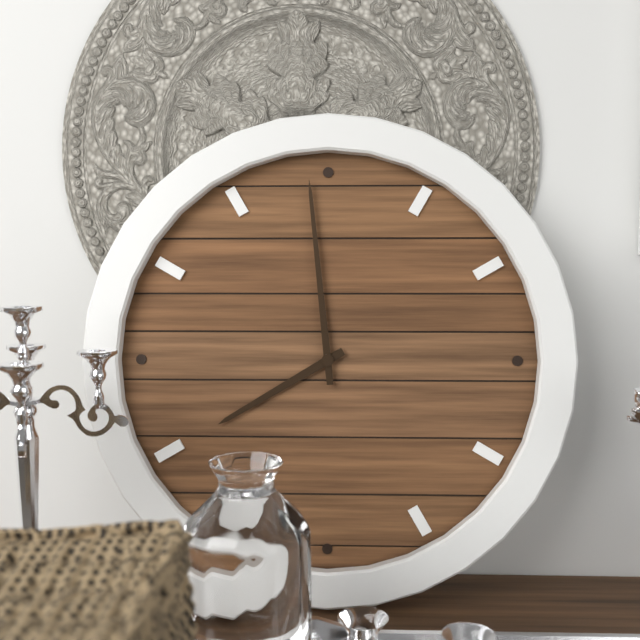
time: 7:59
